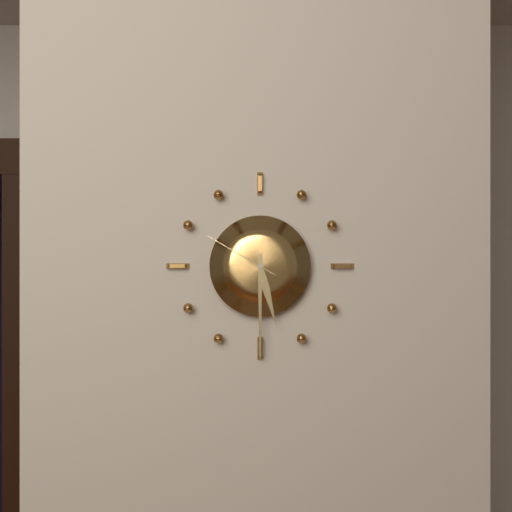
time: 5:30:50
